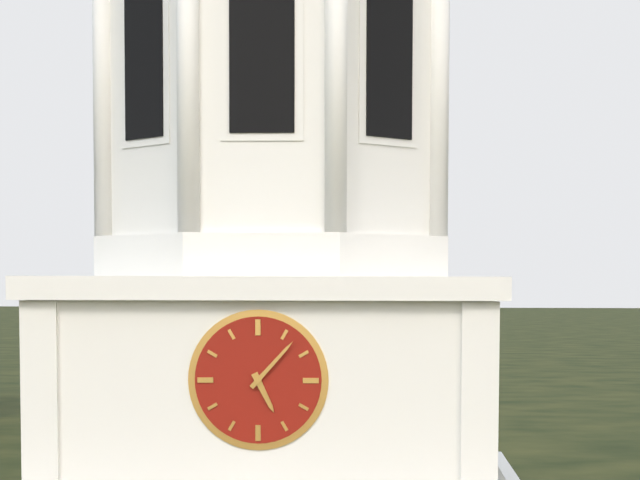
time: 5:07
